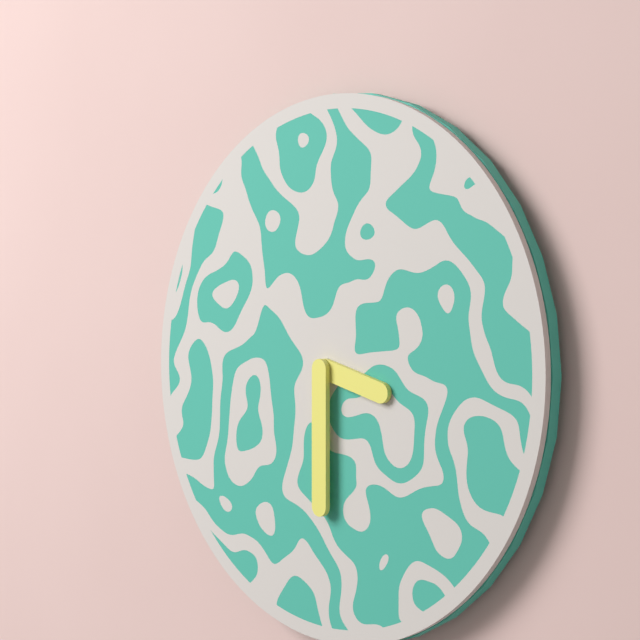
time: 3:30
